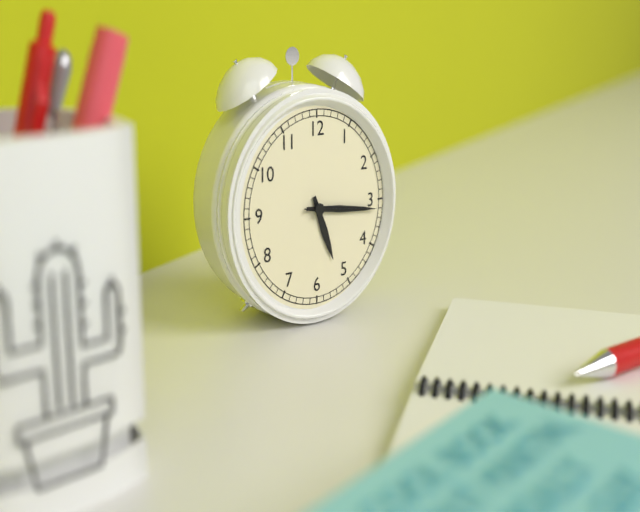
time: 5:16:16
